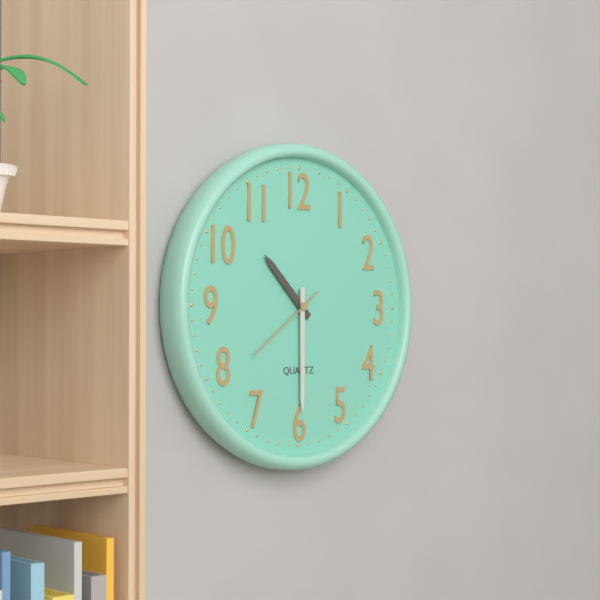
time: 10:30:39
